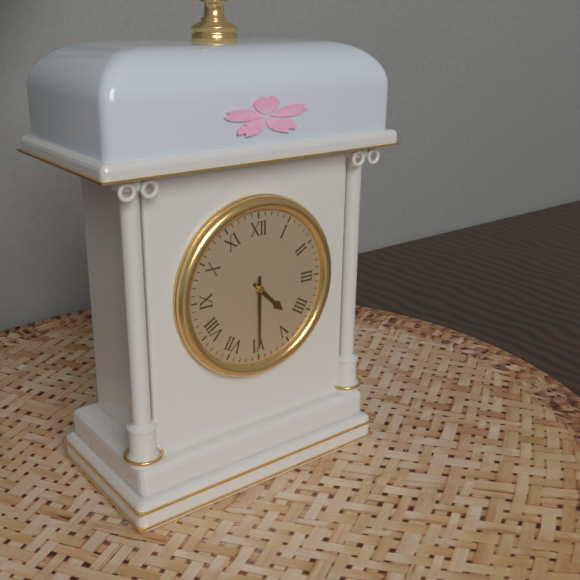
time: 4:30
